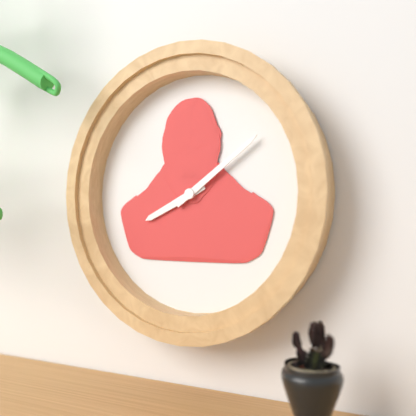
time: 8:09
